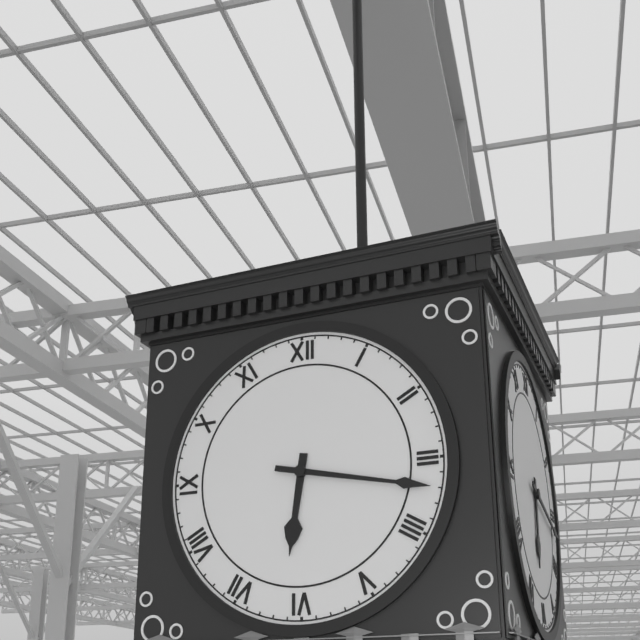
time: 6:17
